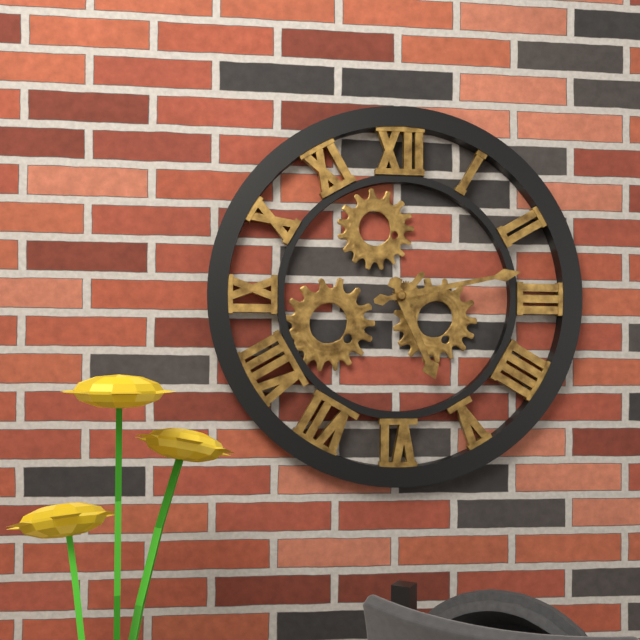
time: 5:13
